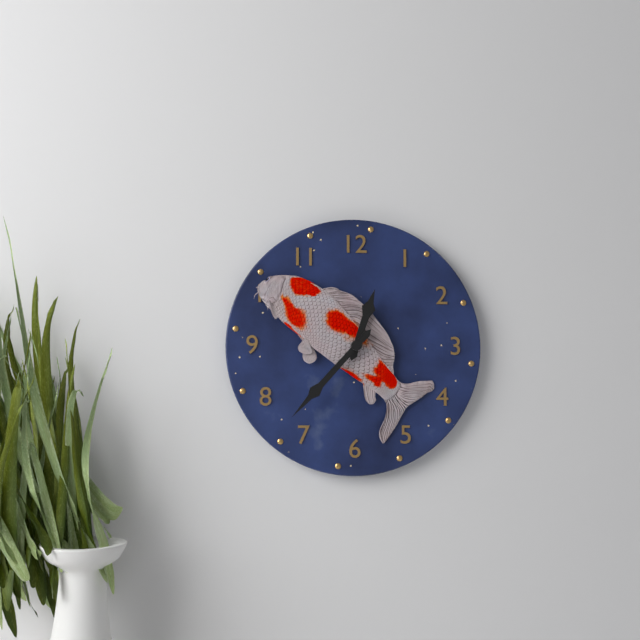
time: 12:37
